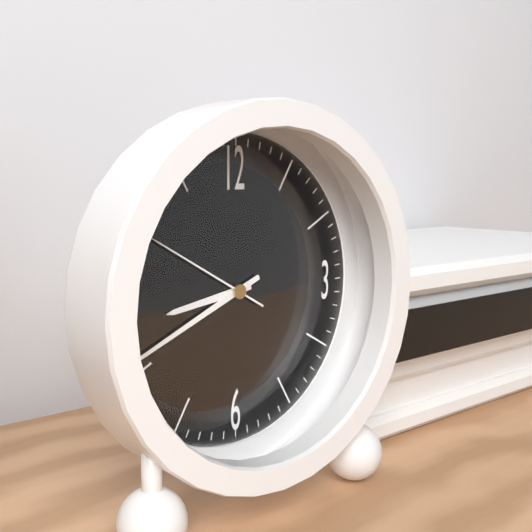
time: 8:41:50
